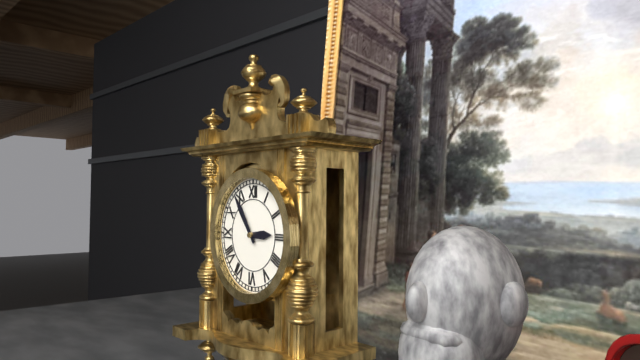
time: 2:54
